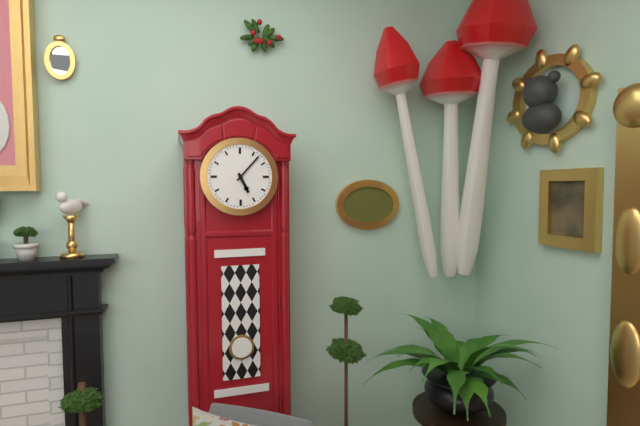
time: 5:07
